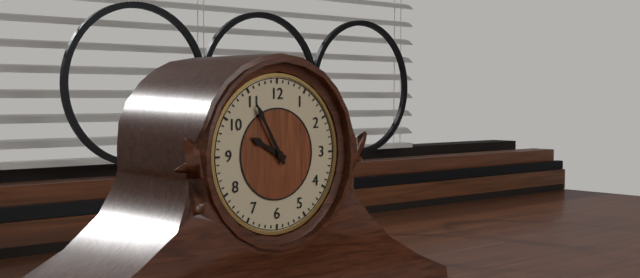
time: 9:55
